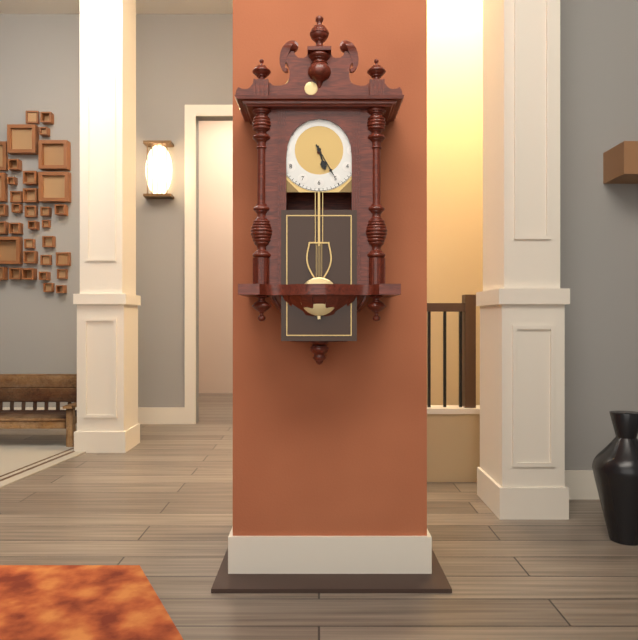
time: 5:25
